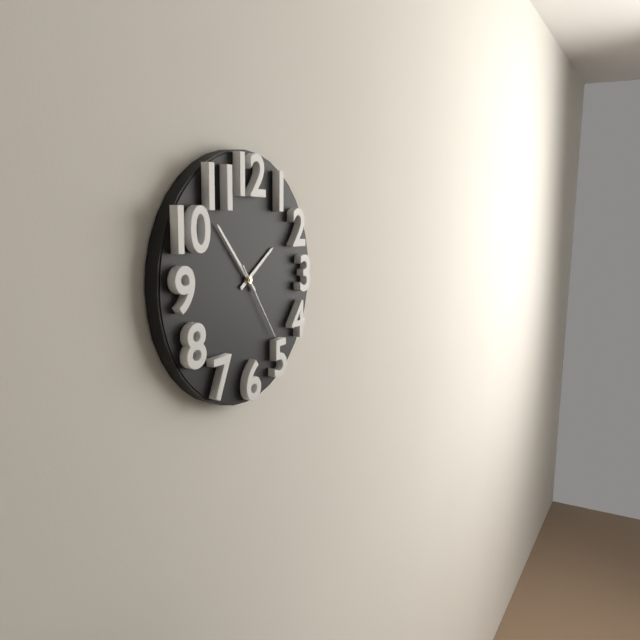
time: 1:53:24
